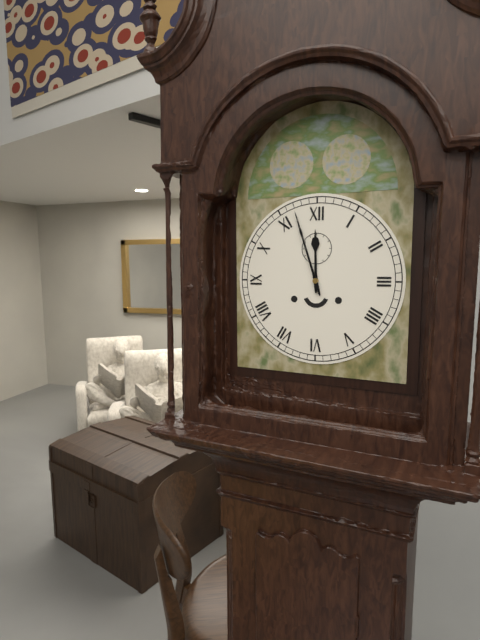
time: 11:57
